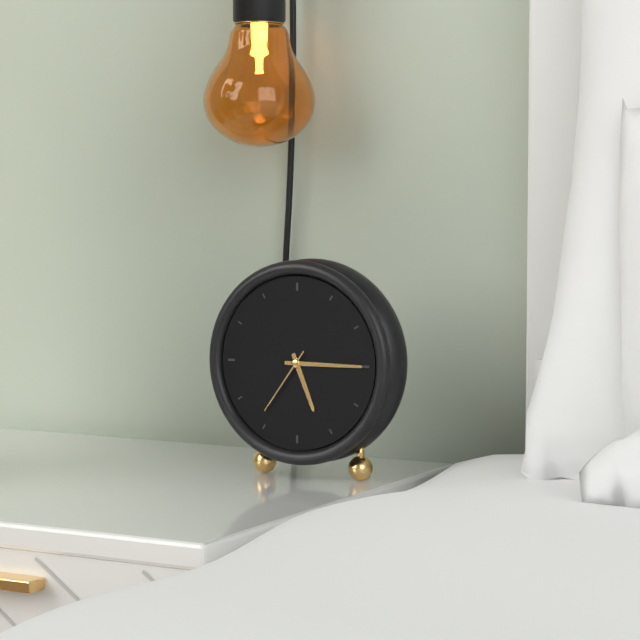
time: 5:15:36
